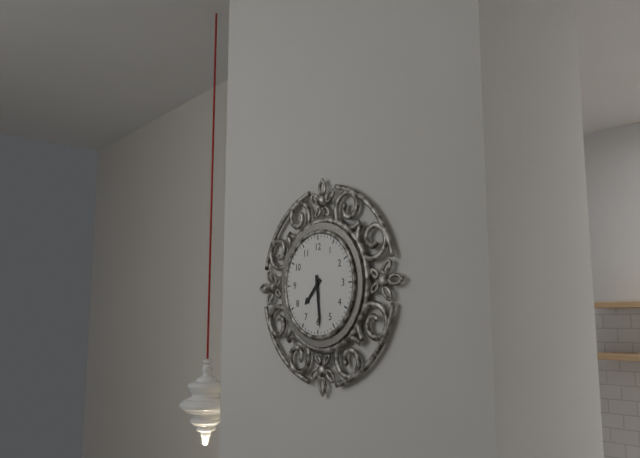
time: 7:29
